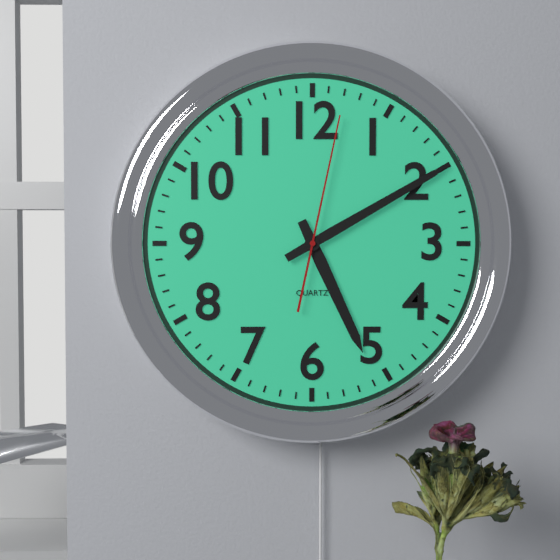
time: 5:10:02
